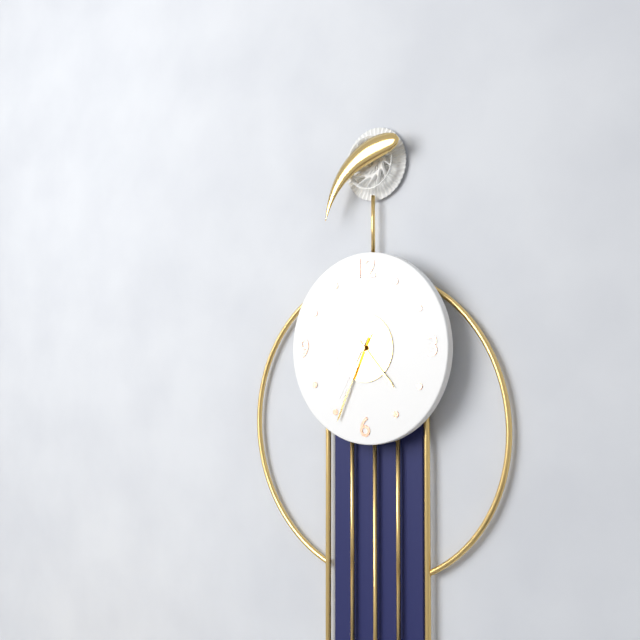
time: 4:34:35
